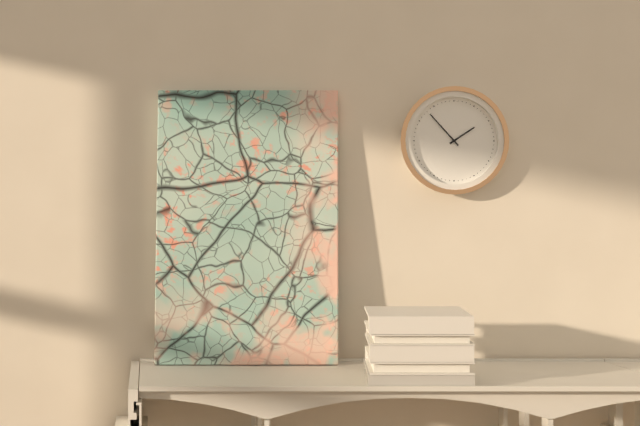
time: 1:53
